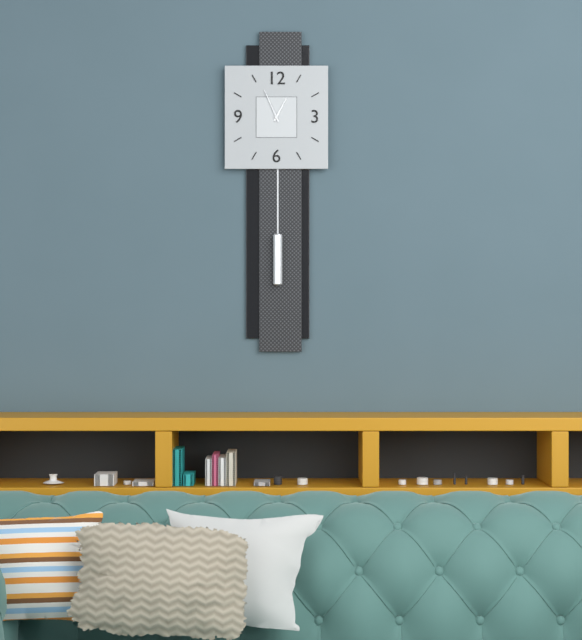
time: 12:56
